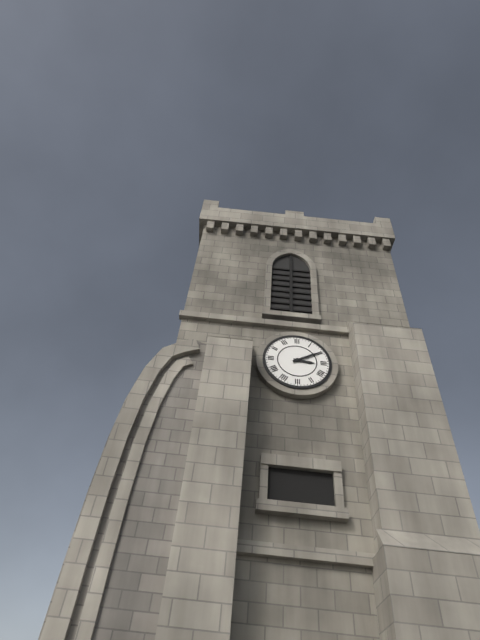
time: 3:10
